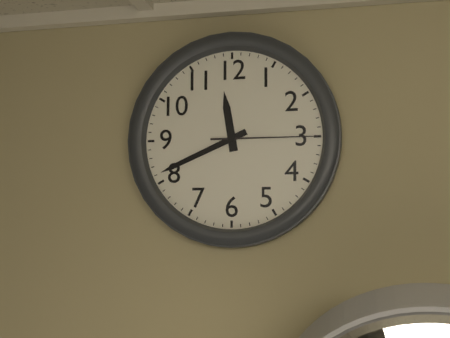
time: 11:41:15
